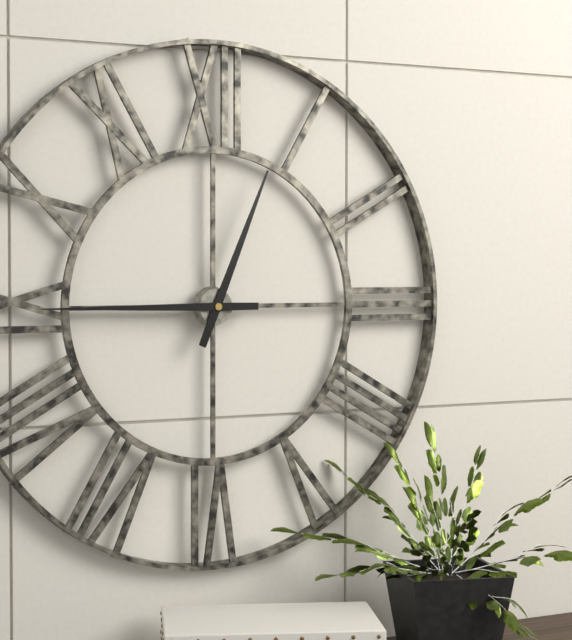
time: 12:45
